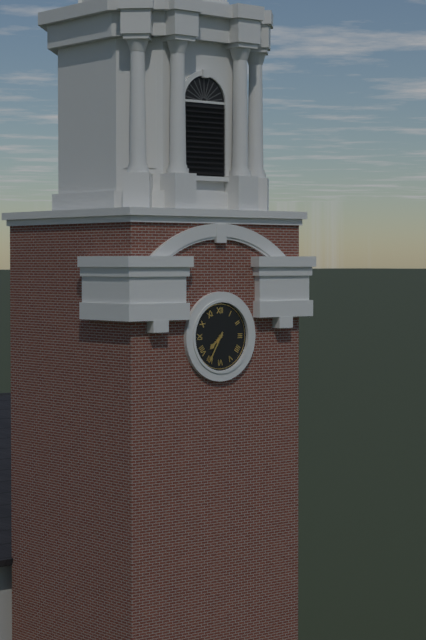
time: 7:35
